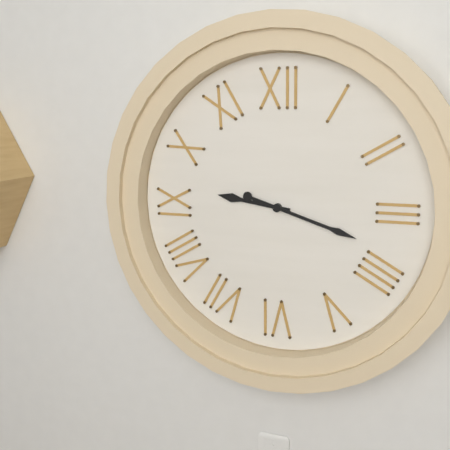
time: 9:18
